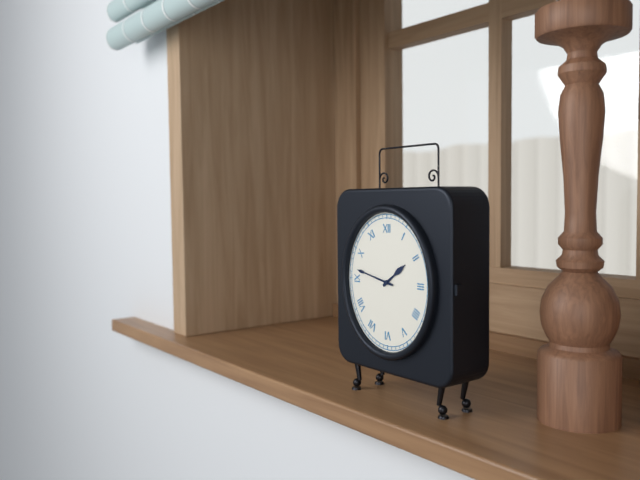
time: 1:47
